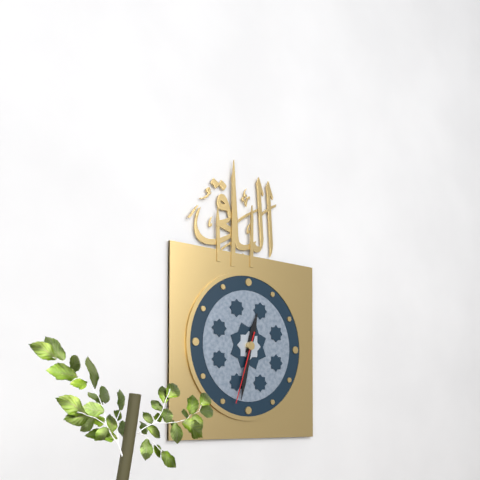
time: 12:32:33
